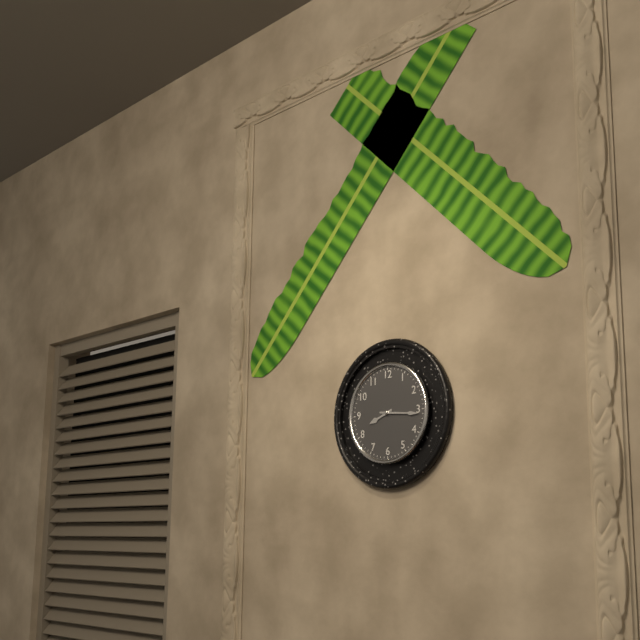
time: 8:16
